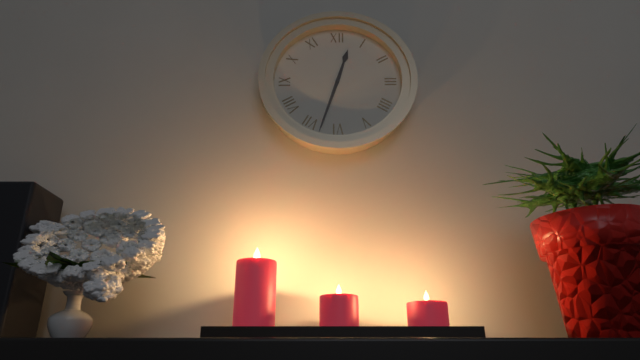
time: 12:33
